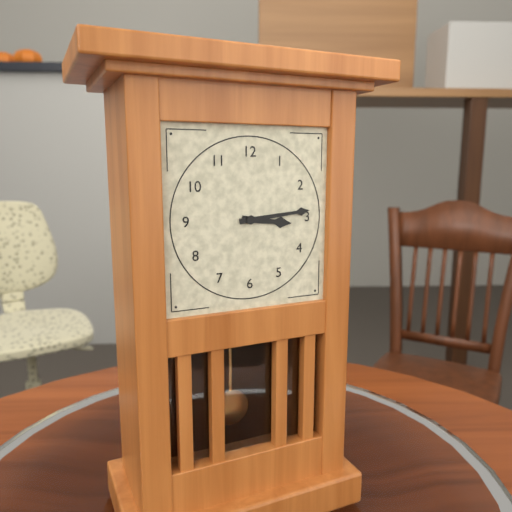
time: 3:14
